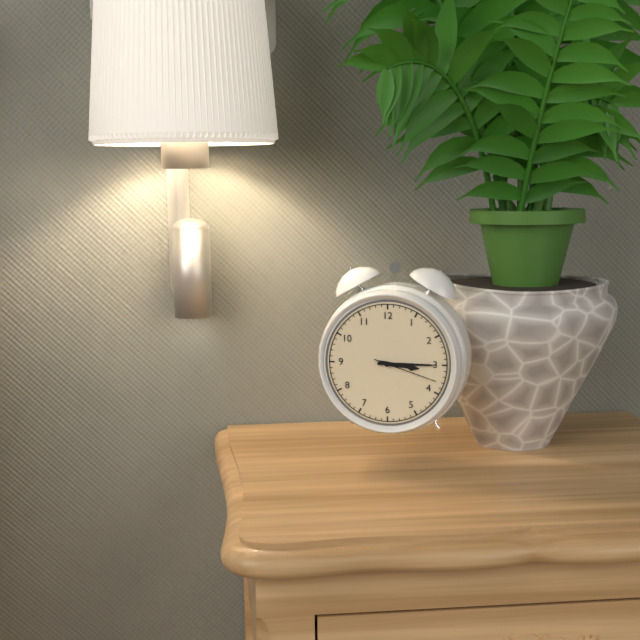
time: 3:15:18
